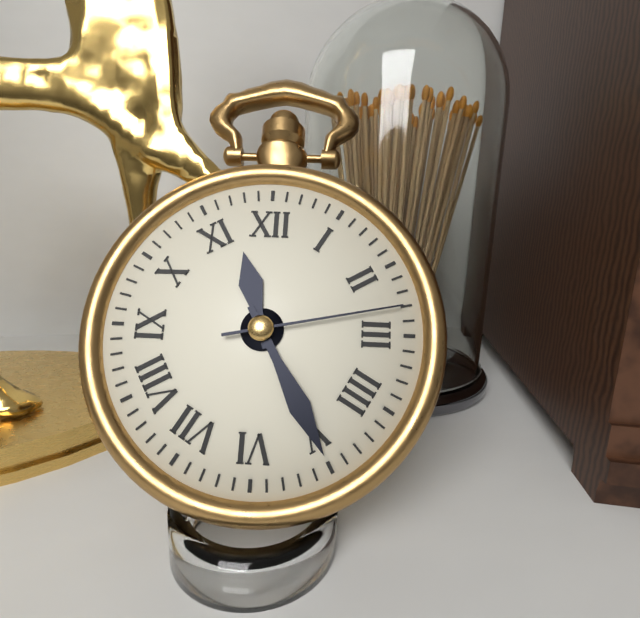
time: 11:25:13
